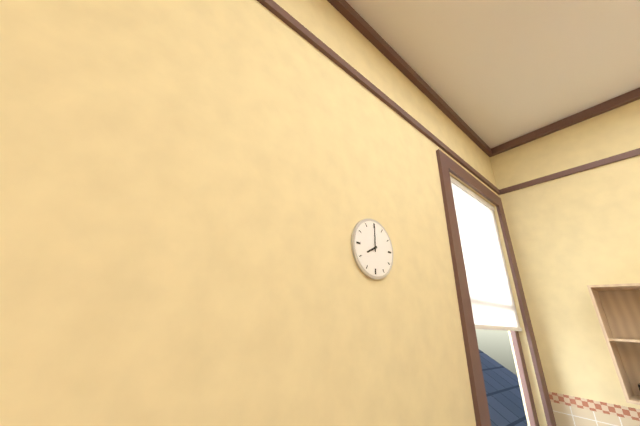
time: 8:00
